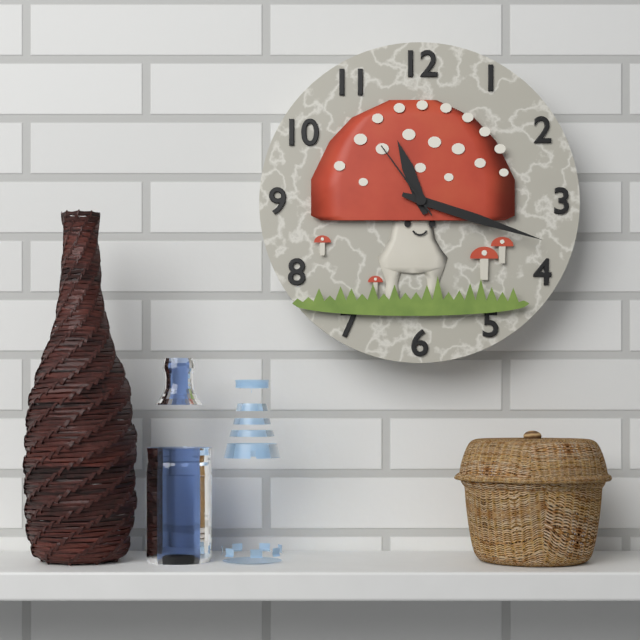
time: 11:18:54
